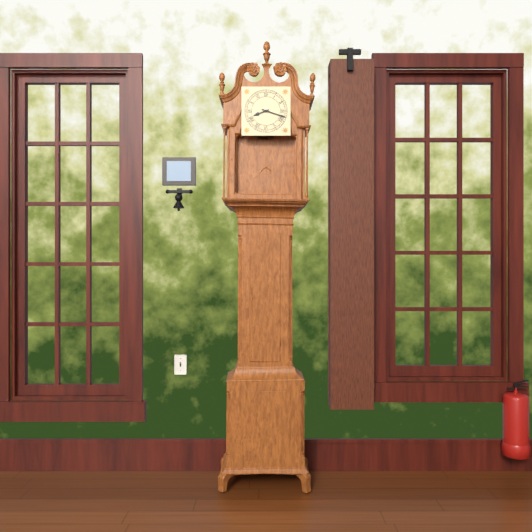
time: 8:18
